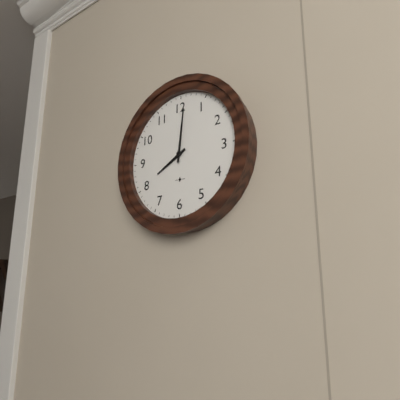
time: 8:01
